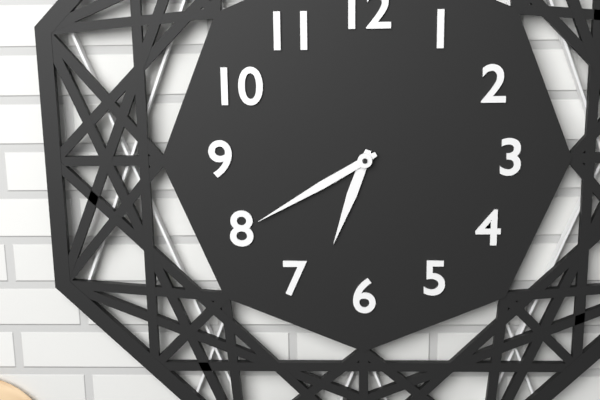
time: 6:40
